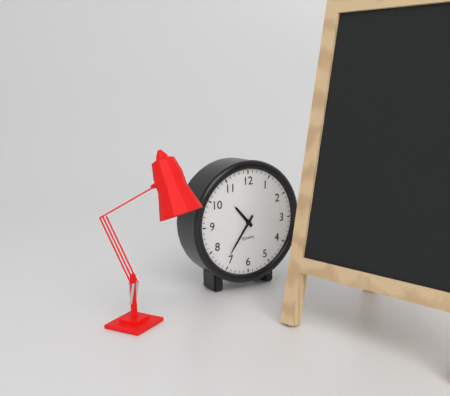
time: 10:36
